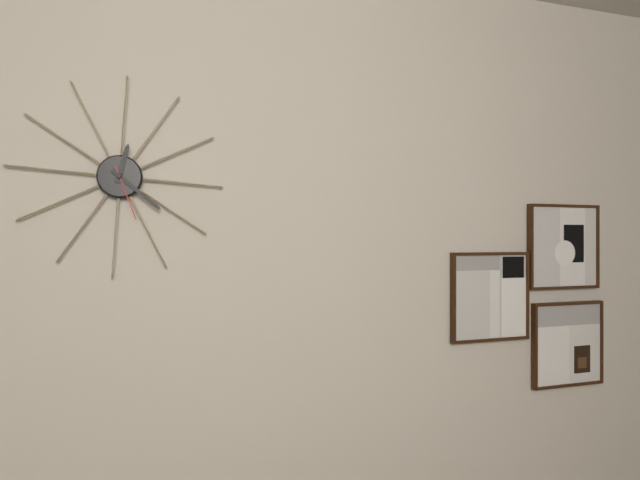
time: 12:21:26
